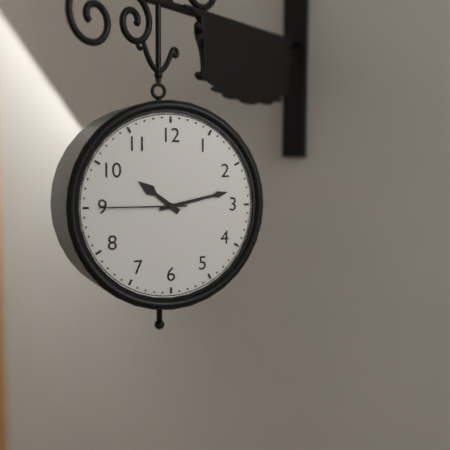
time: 10:13:45
